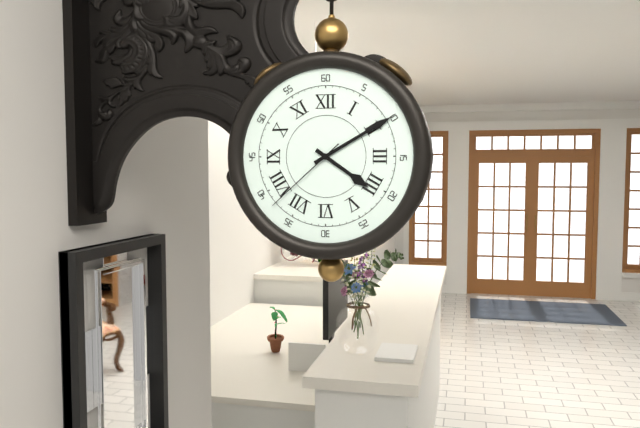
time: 4:10:38
